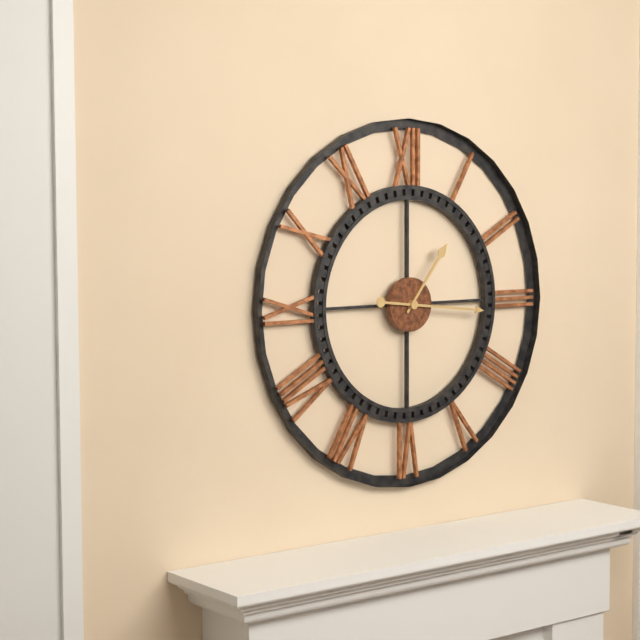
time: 1:16
